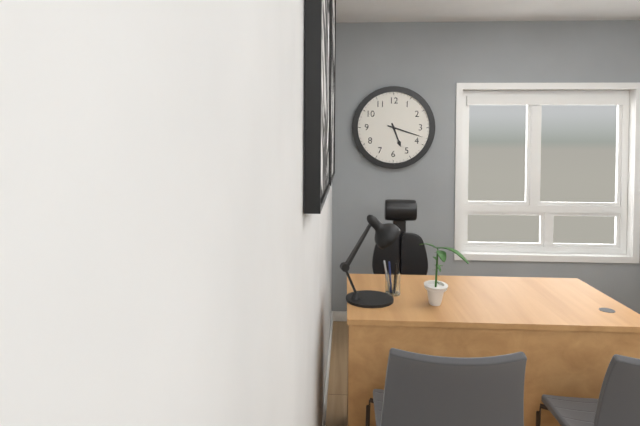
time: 5:18
